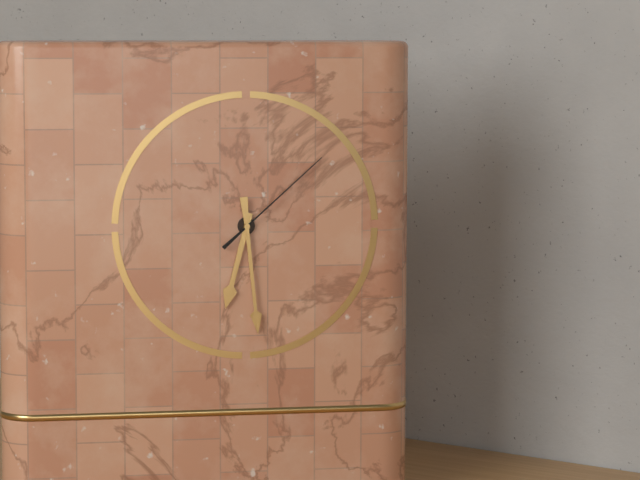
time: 6:29:08
